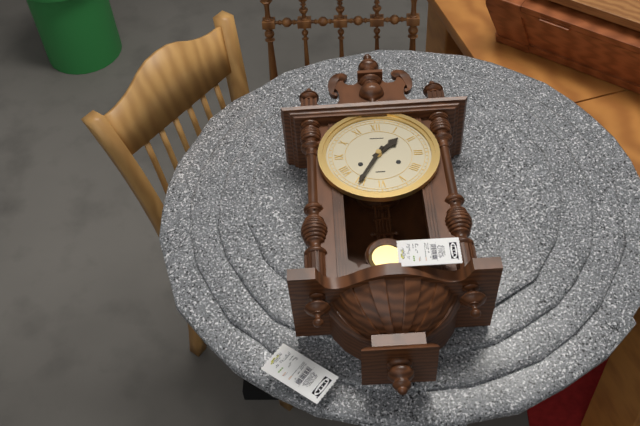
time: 1:35
